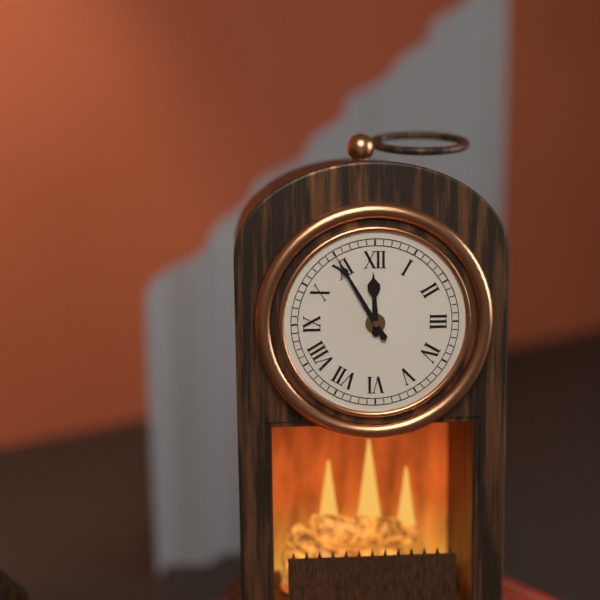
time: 11:55
